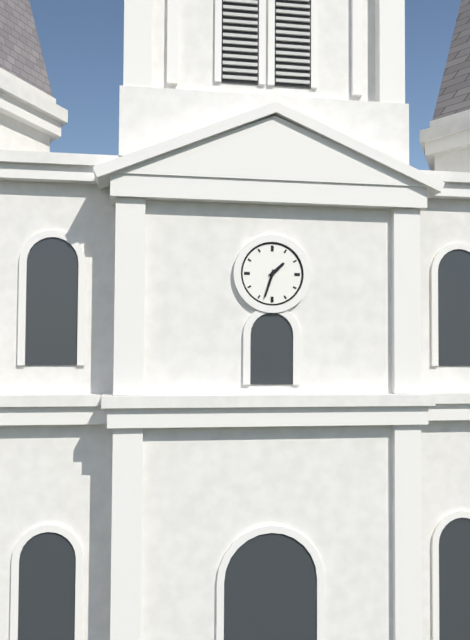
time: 1:33
